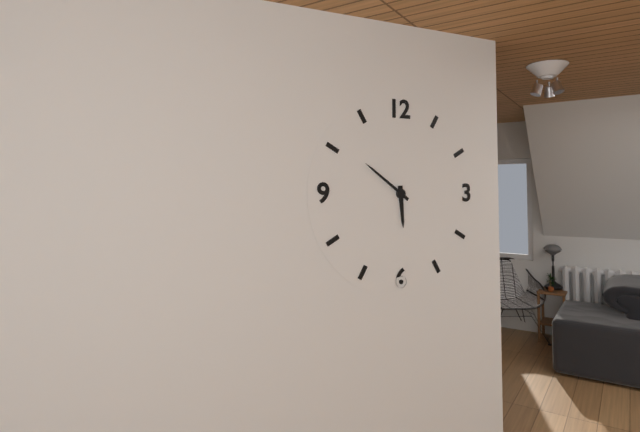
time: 5:51
